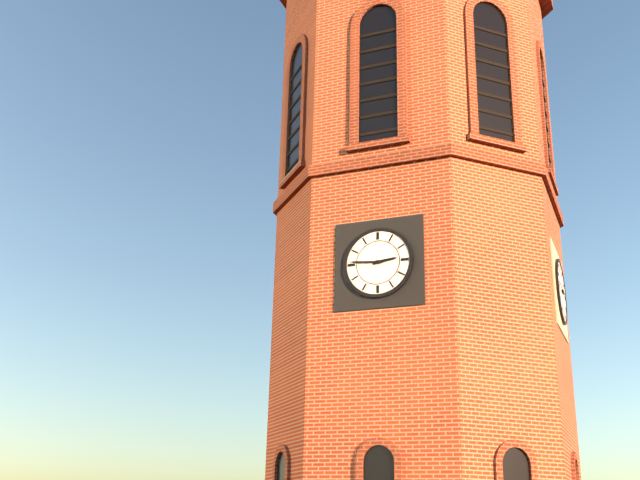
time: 2:46
